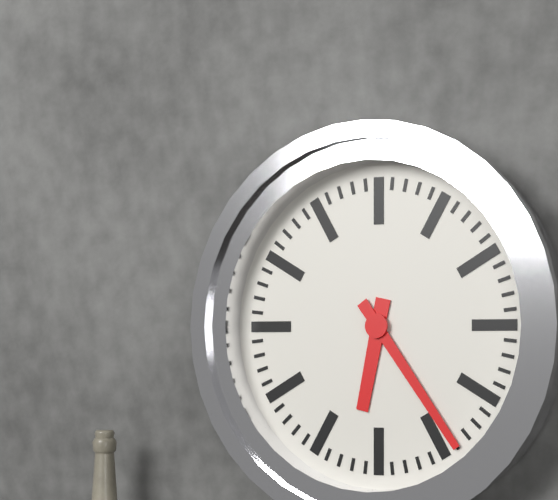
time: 6:24
